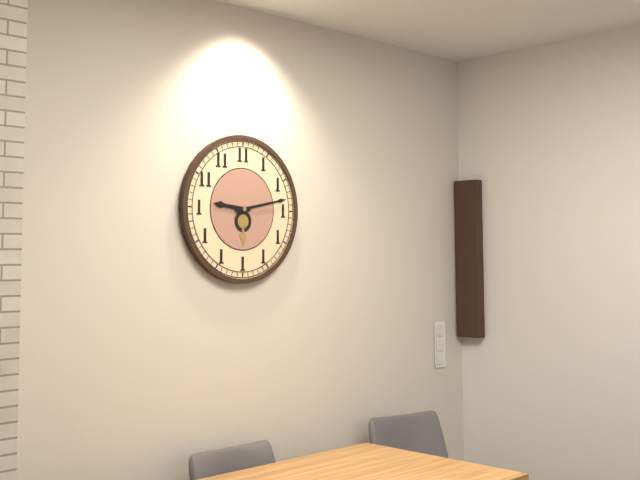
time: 9:13
